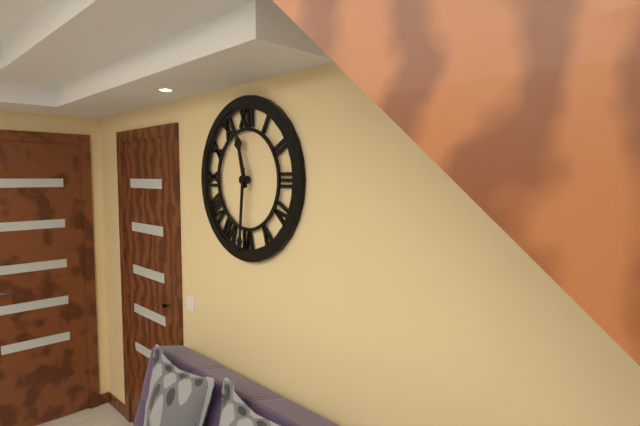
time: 11:31
